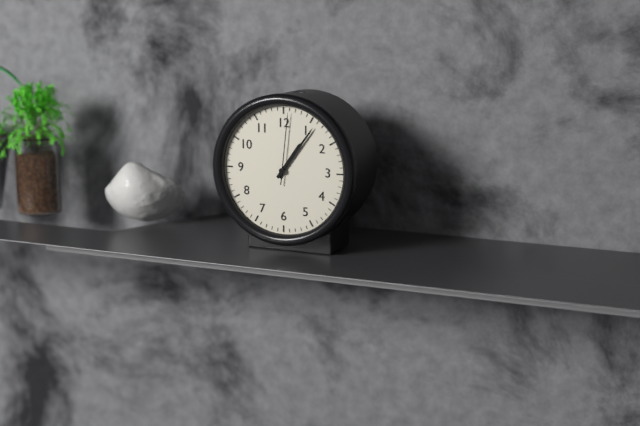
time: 1:06:01
